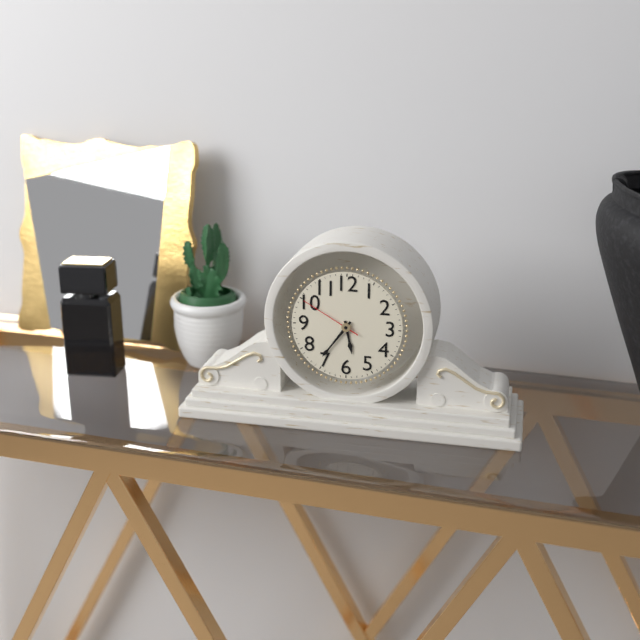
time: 5:36:50
